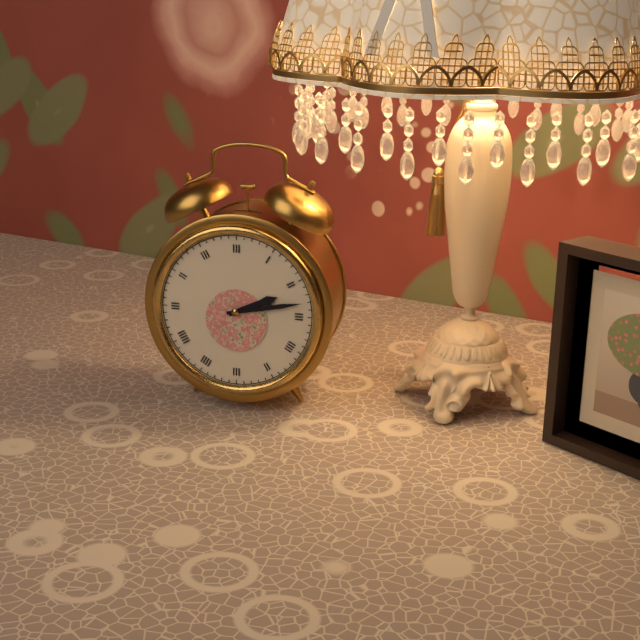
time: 2:13
